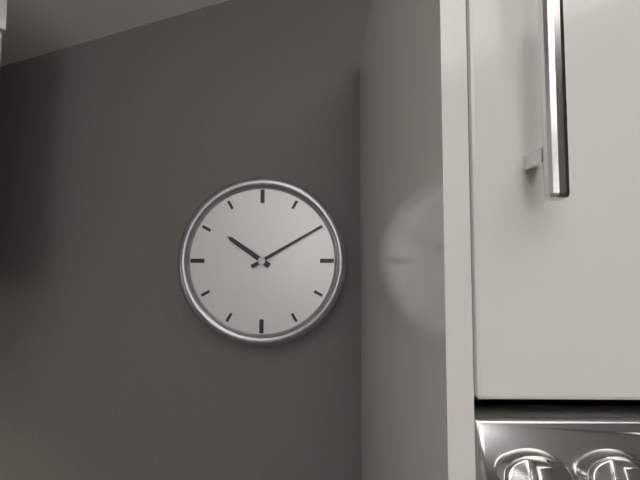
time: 10:10
